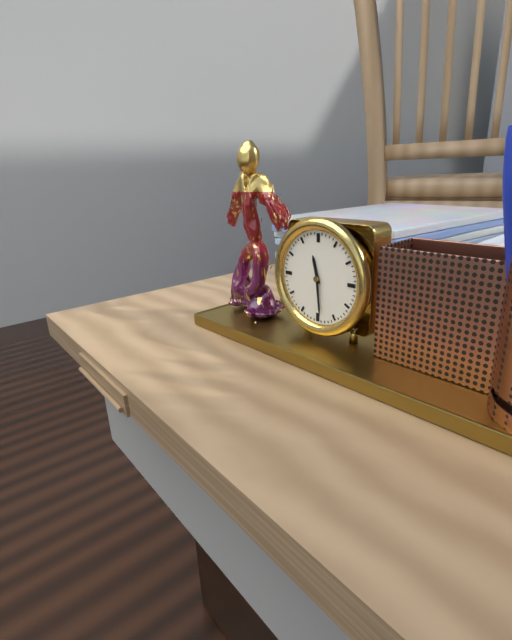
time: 11:29
